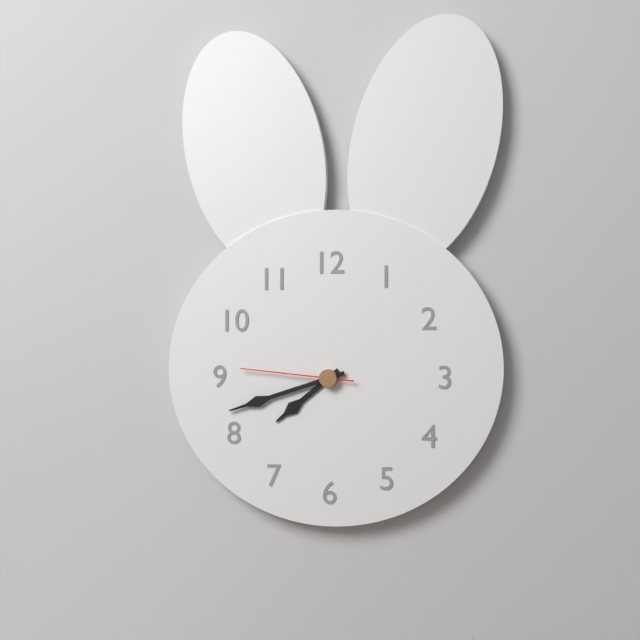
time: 7:42:46
